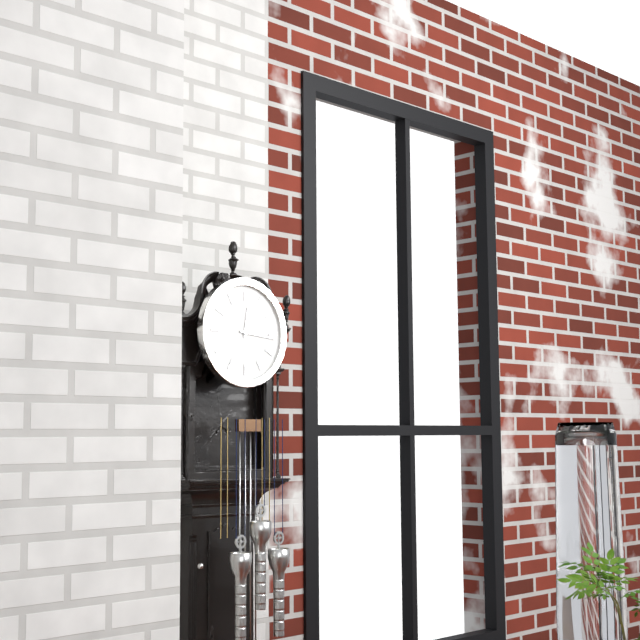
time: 12:16
